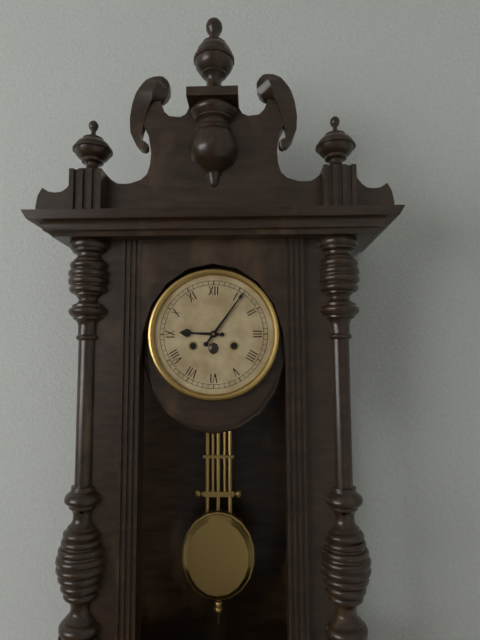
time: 9:06
